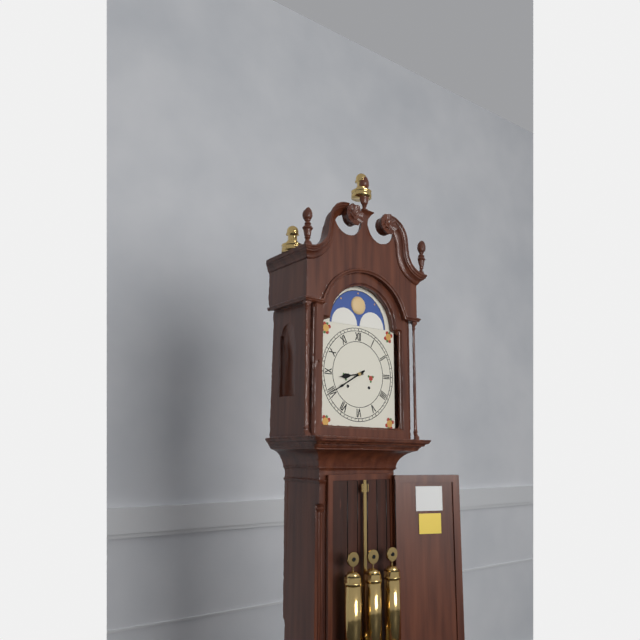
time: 8:40
